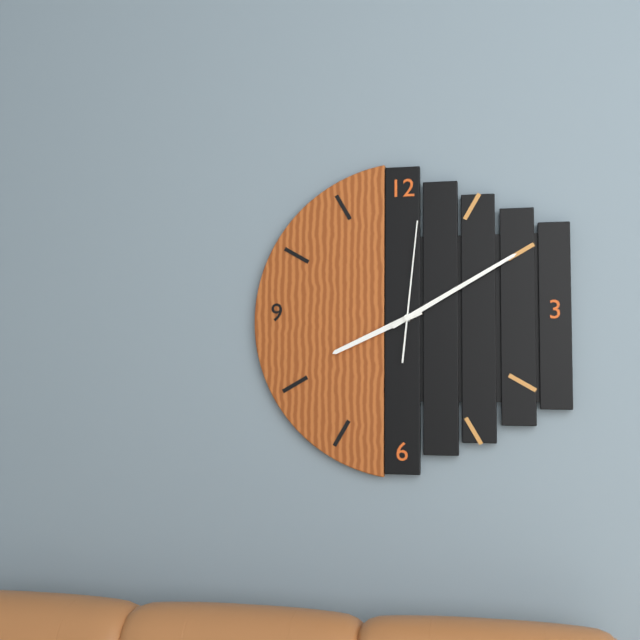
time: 8:10:01
